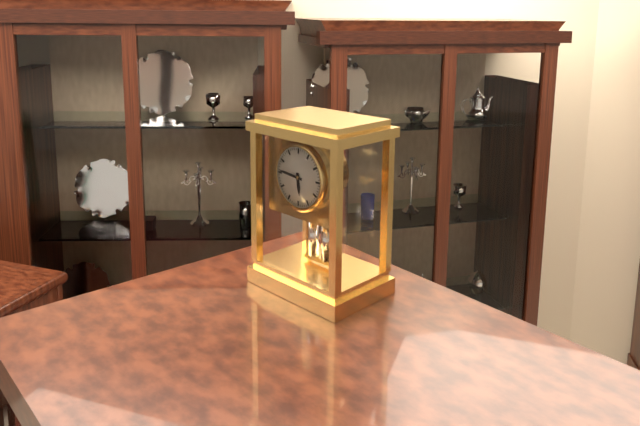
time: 5:46
